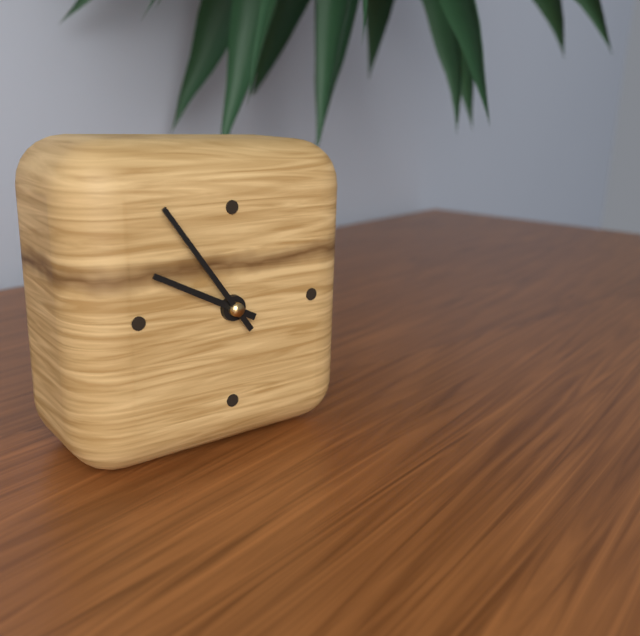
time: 9:54
